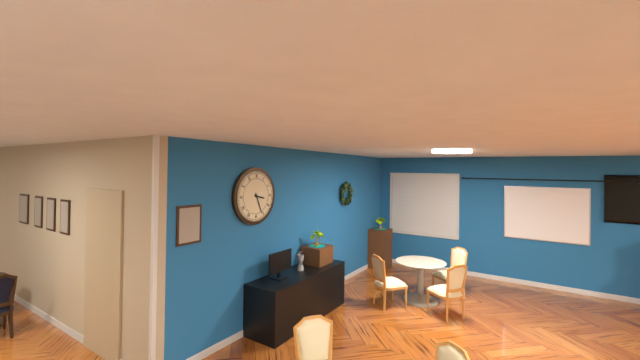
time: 3:26
